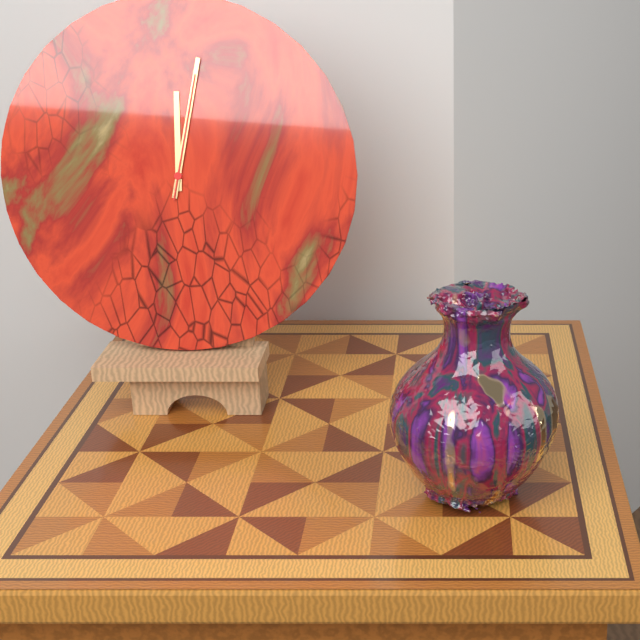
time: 12:02:02
